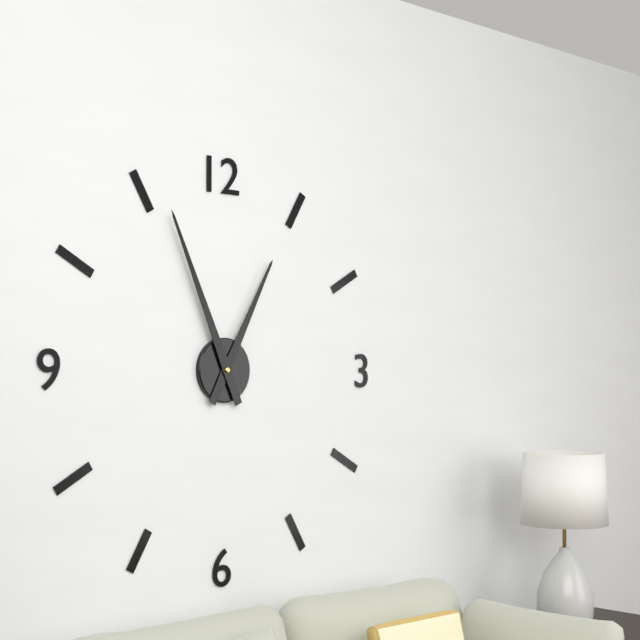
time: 12:56
